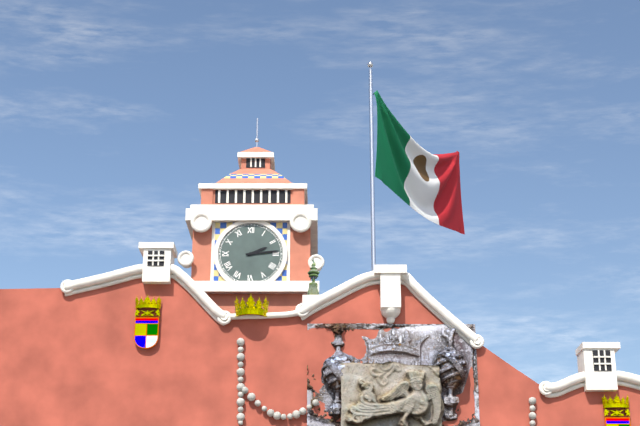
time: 2:14
